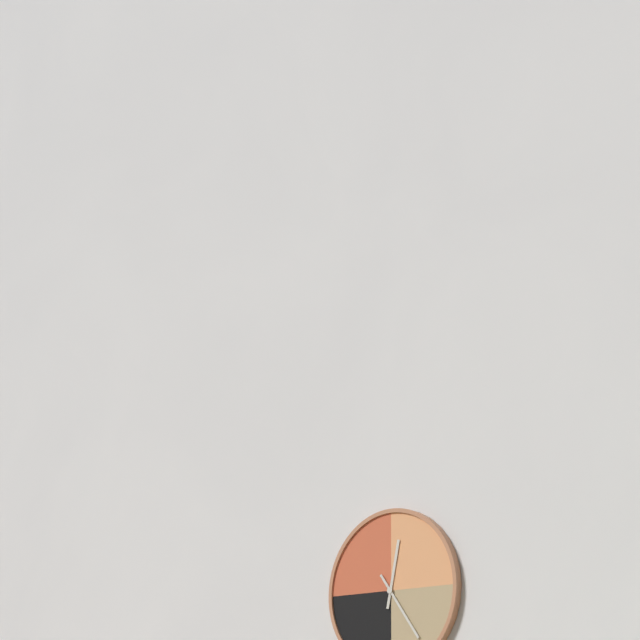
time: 12:24
